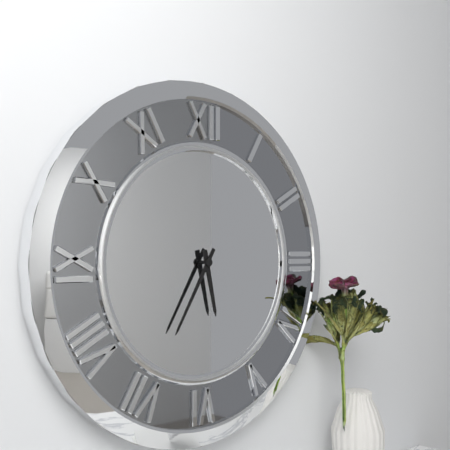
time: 5:35
